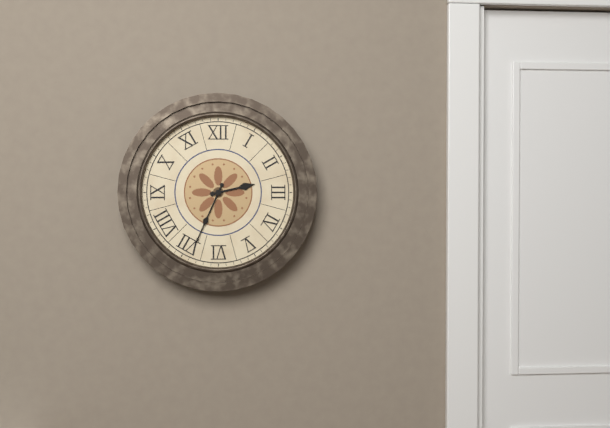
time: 2:34
